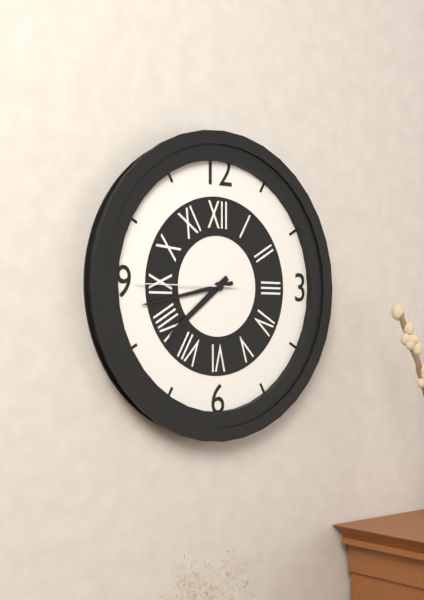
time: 7:43:45
